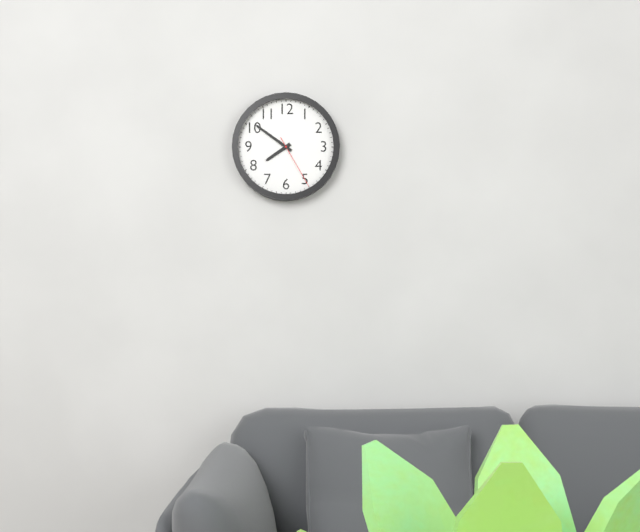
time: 7:51:25
